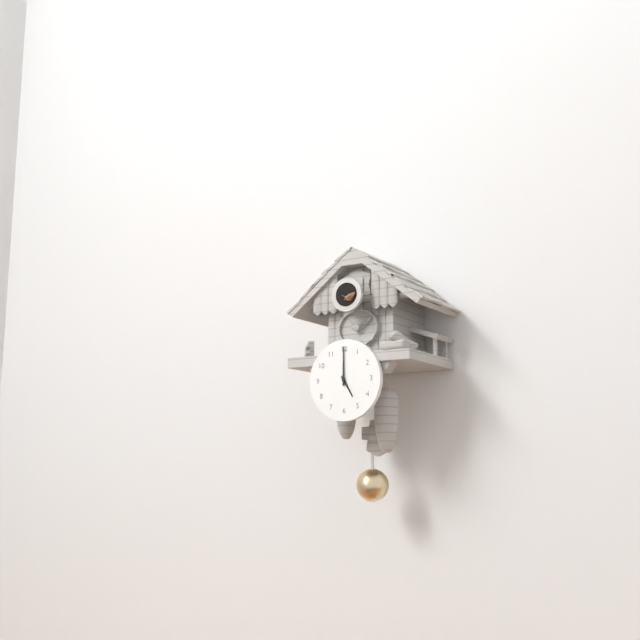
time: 5:00
